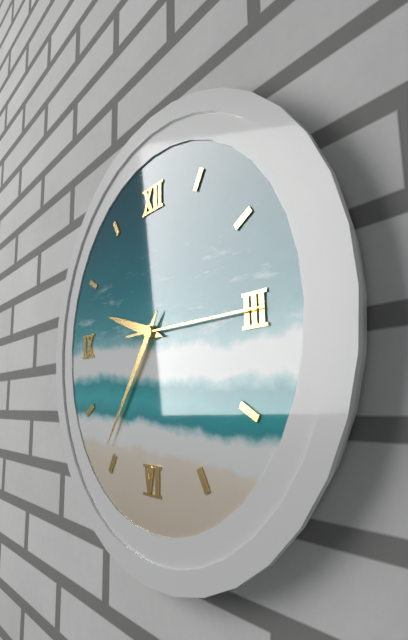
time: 9:36:15
